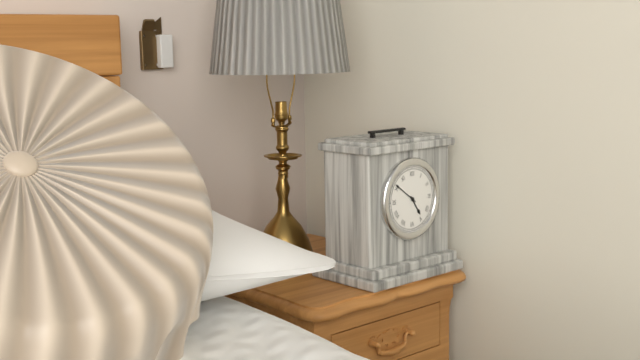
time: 4:51
